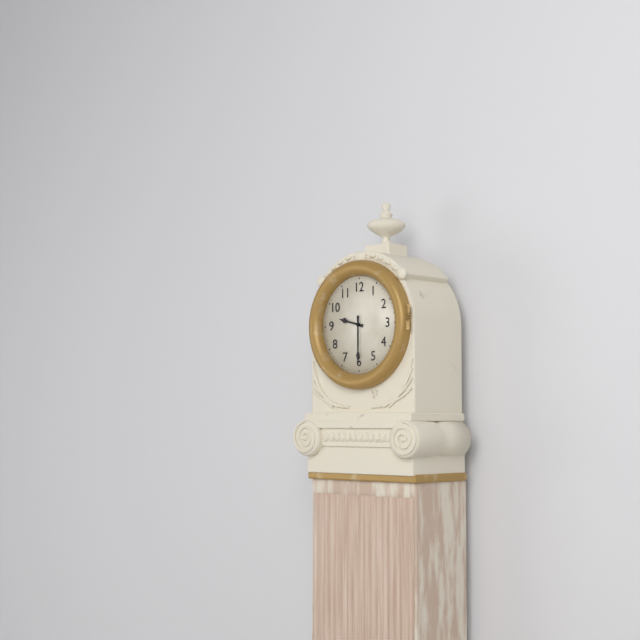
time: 9:30
